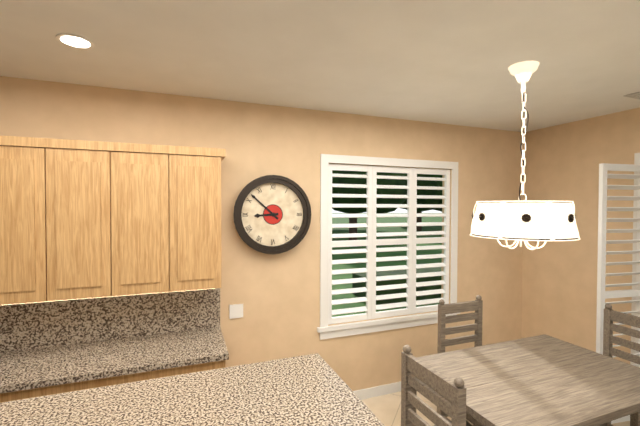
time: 8:52
